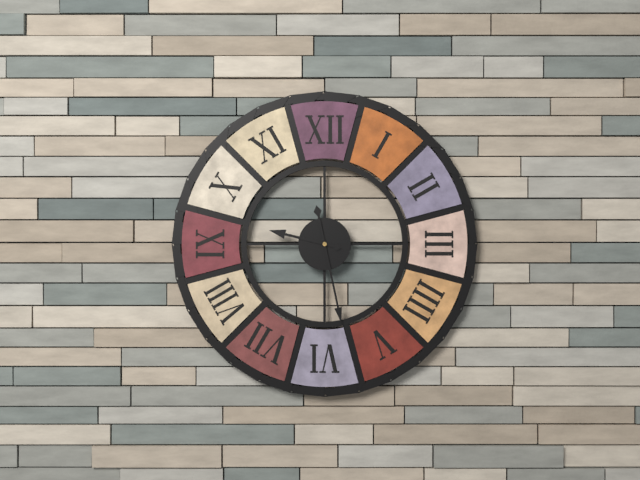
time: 9:28
